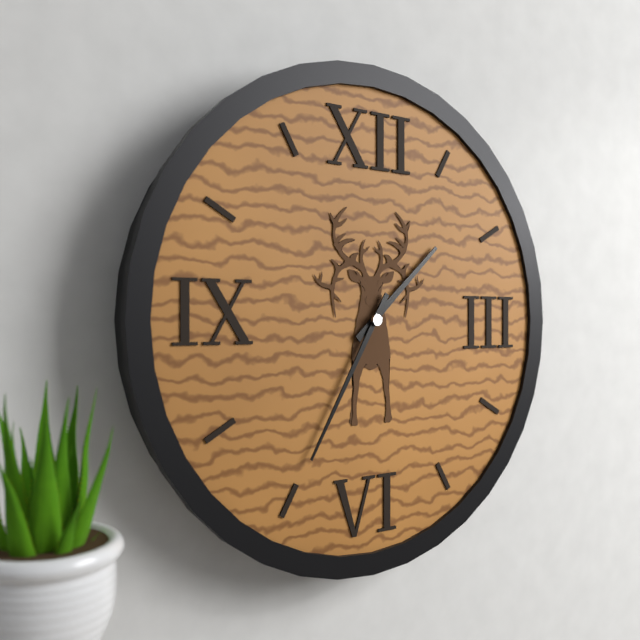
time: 1:35
